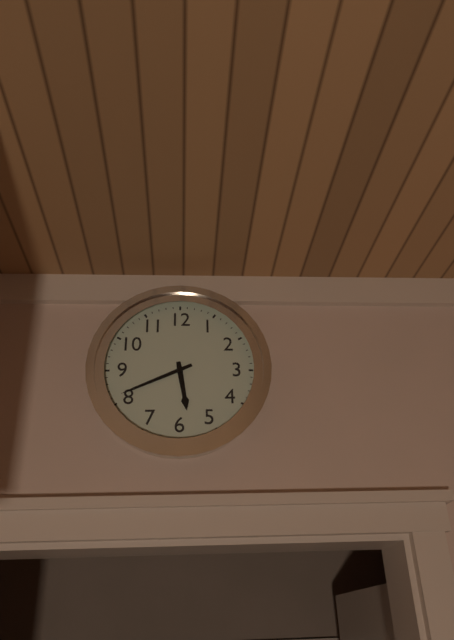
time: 5:41
